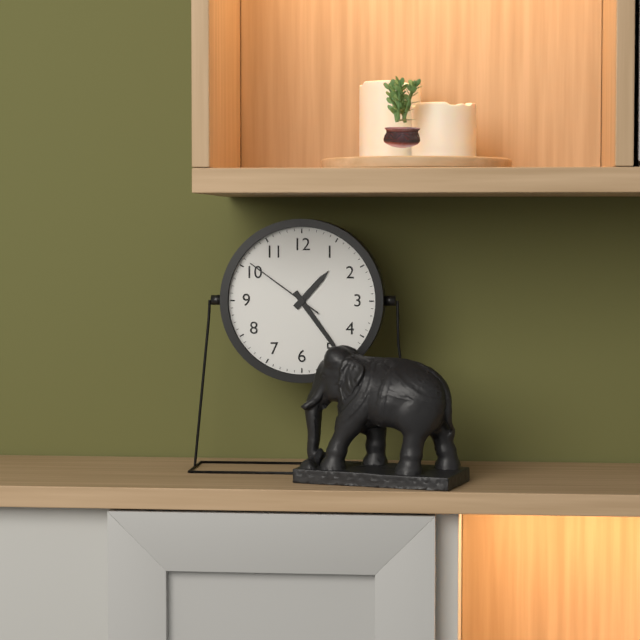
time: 1:24:51
